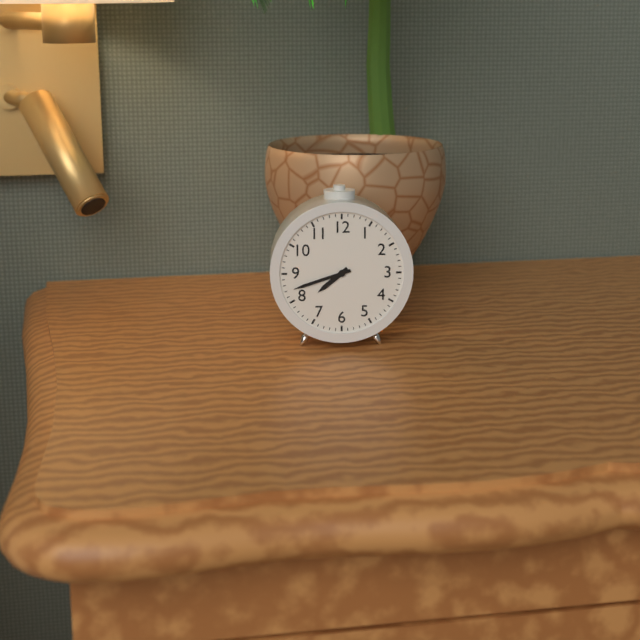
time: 7:42
